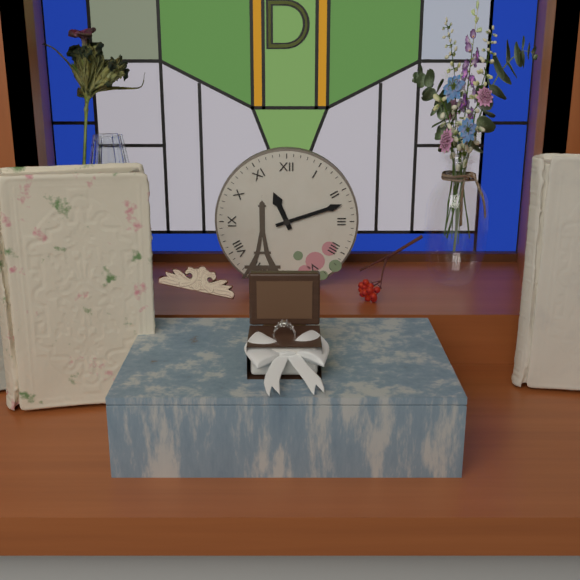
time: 11:12
